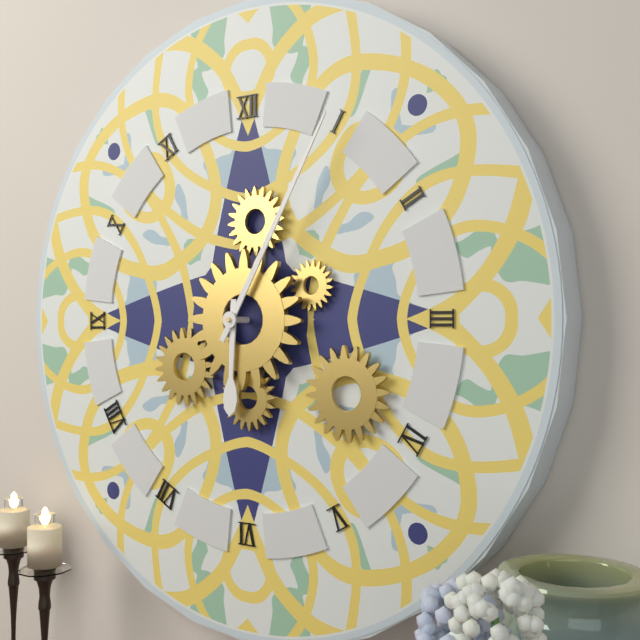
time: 6:05
